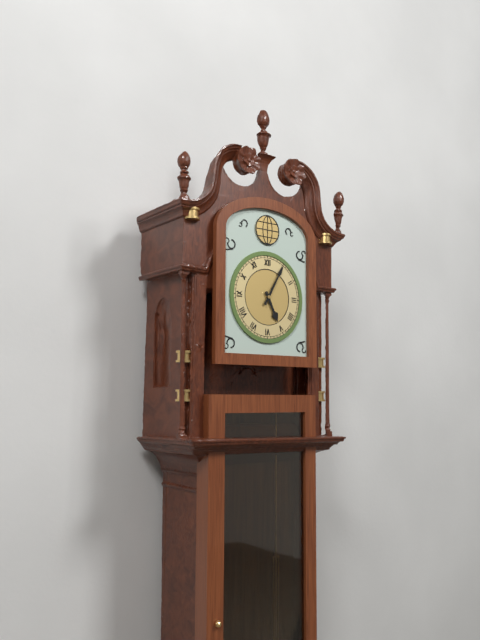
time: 5:05
